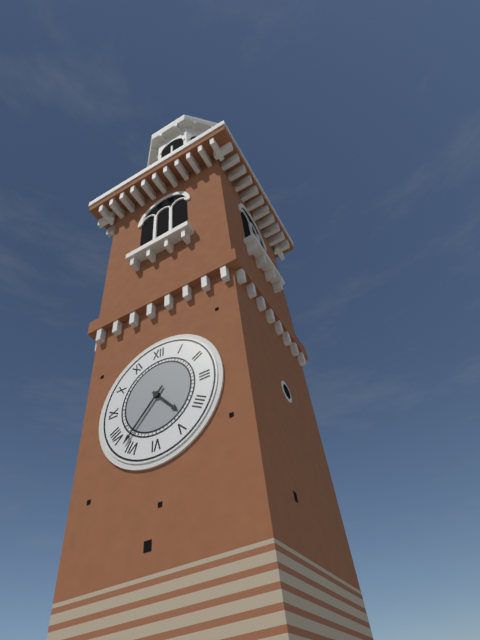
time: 4:37
